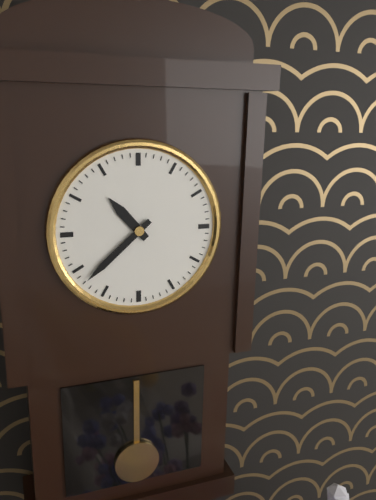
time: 10:38
